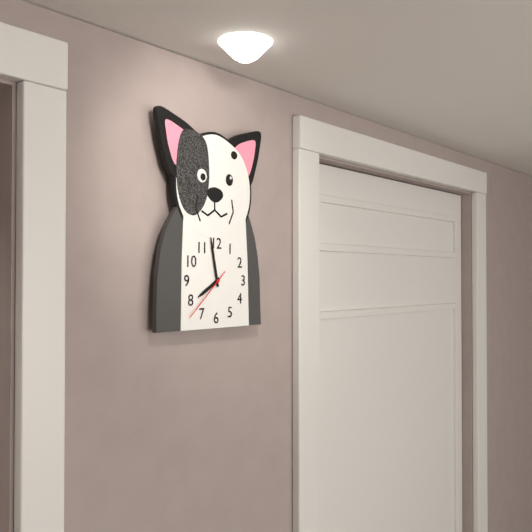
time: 7:58
